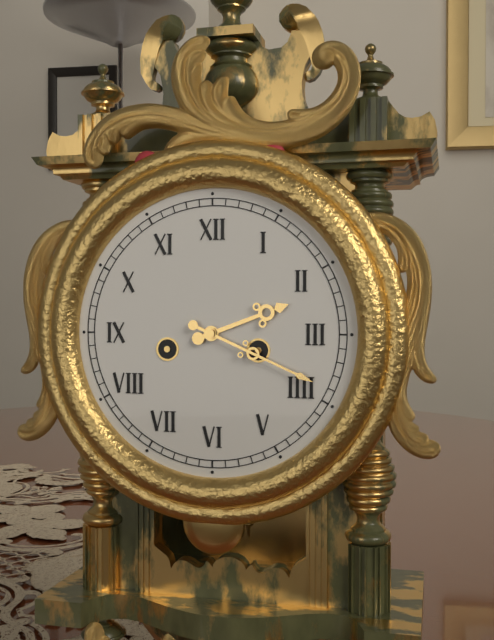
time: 2:19
